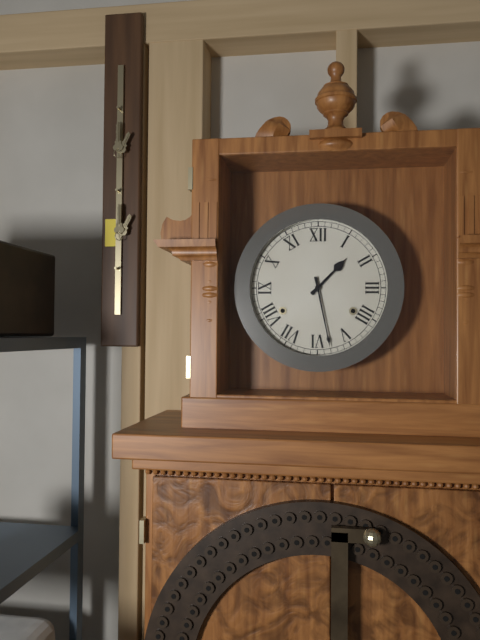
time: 1:28
